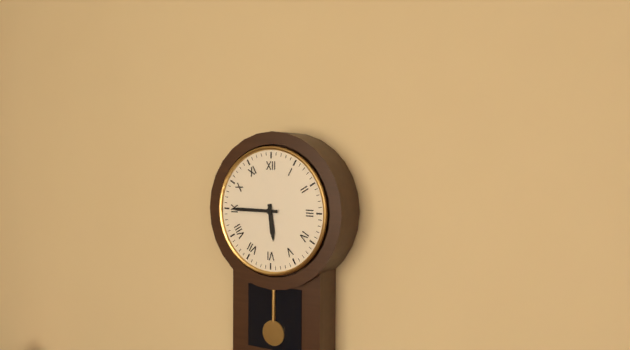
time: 5:45
